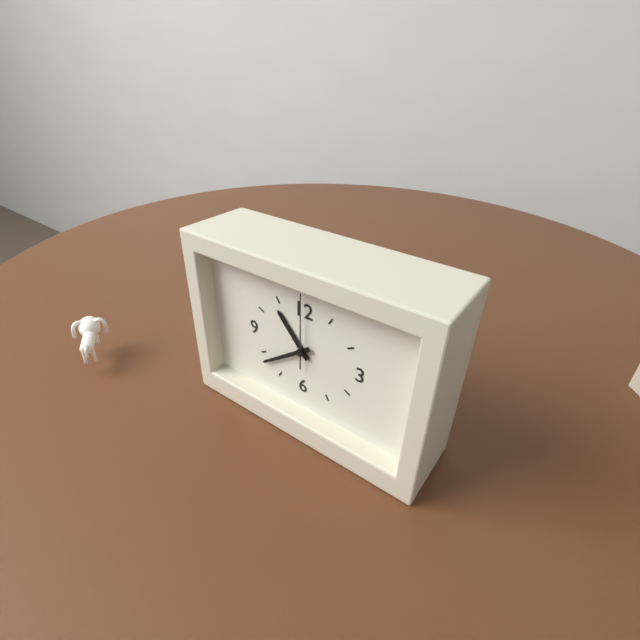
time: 10:39:00
